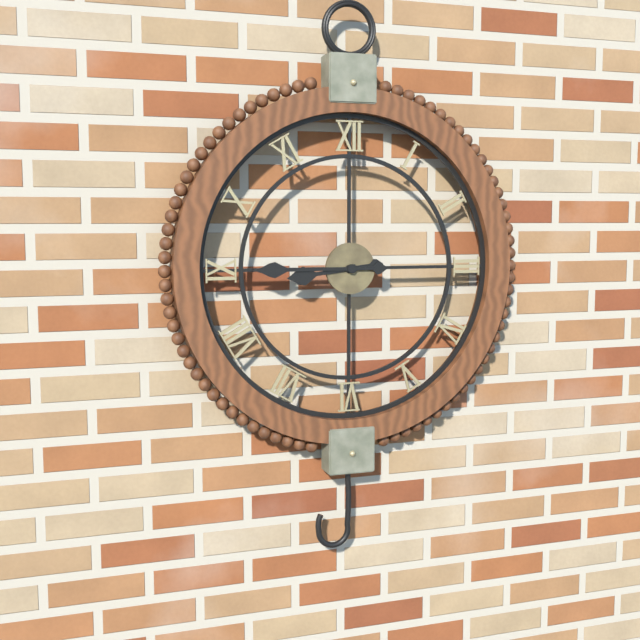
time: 8:45
